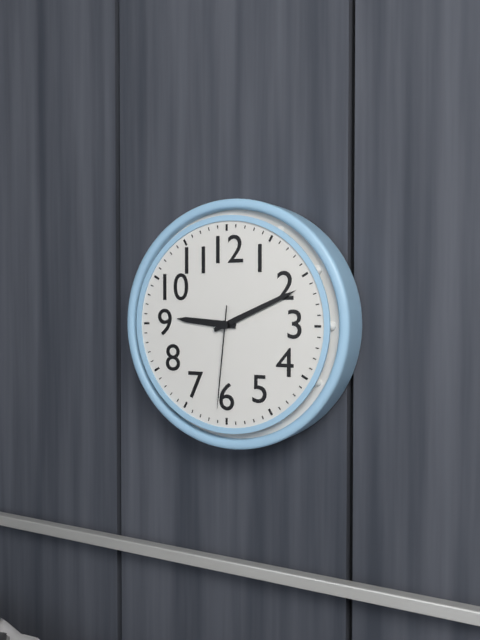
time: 9:11:31
